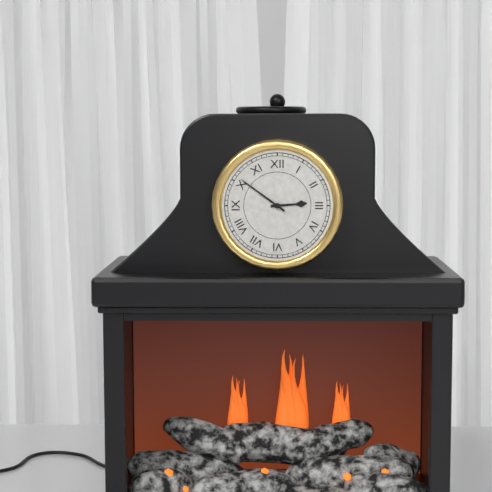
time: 2:51
